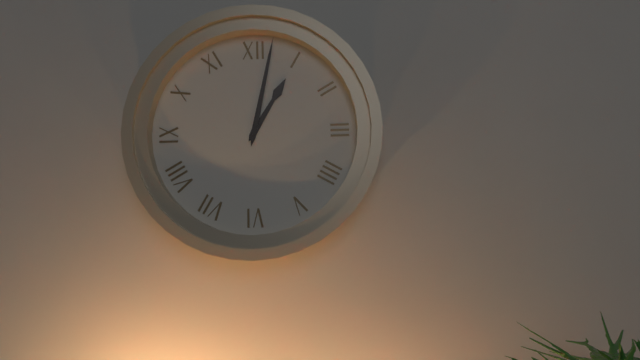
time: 1:02
